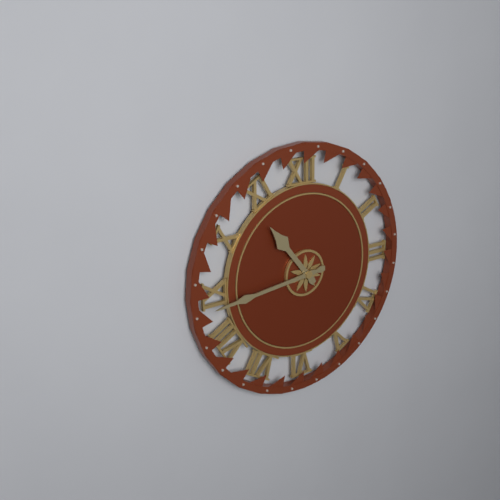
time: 10:44
